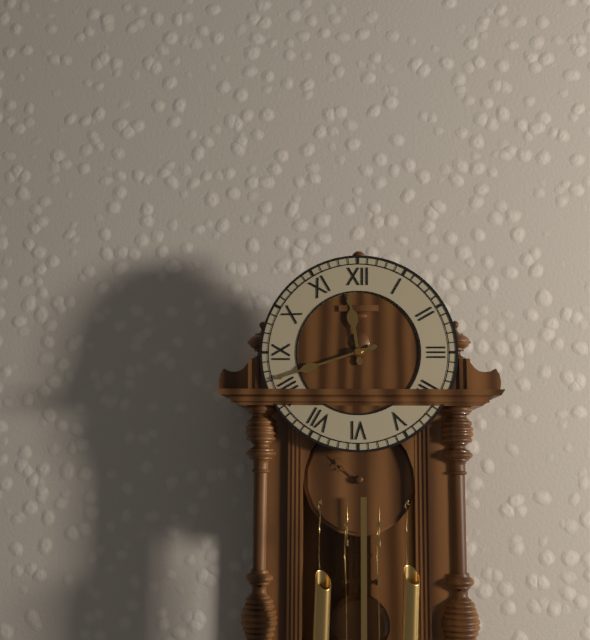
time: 11:42
